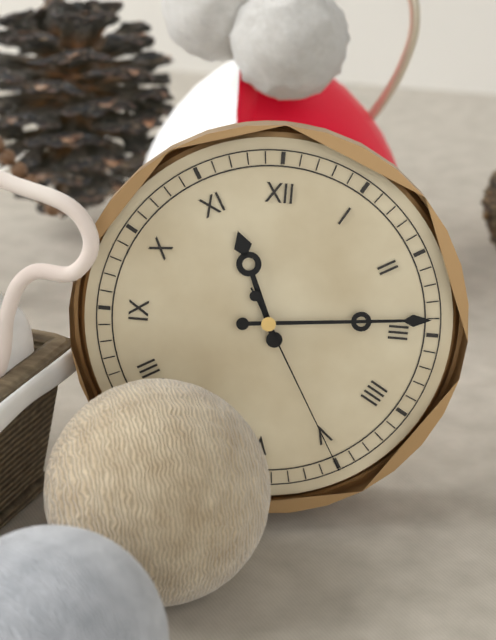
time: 11:14:25
